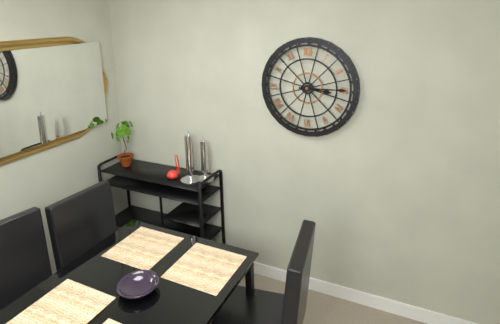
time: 3:15
